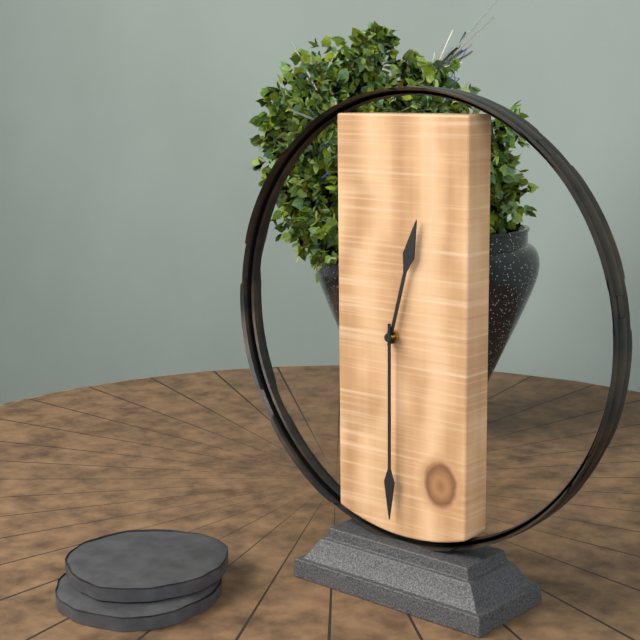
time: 12:30
